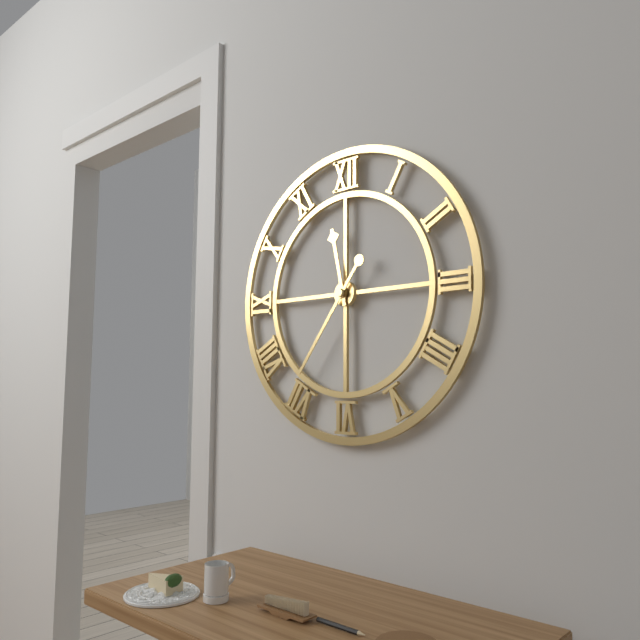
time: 11:36
